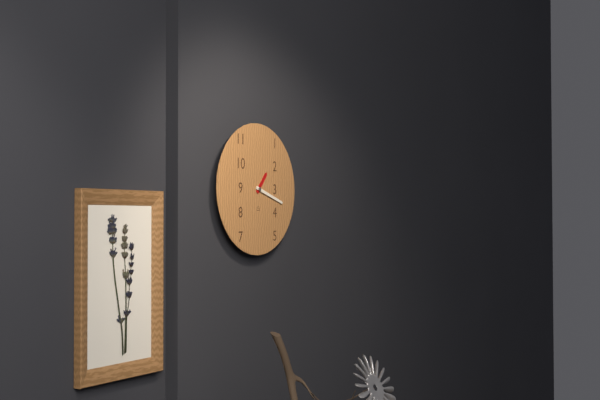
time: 1:18
